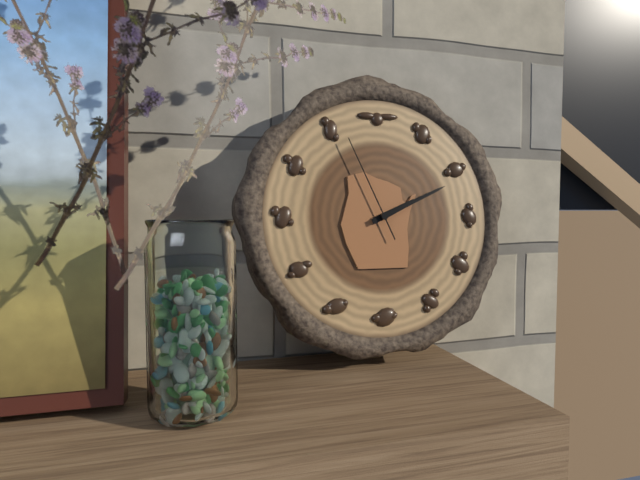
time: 2:11:56
